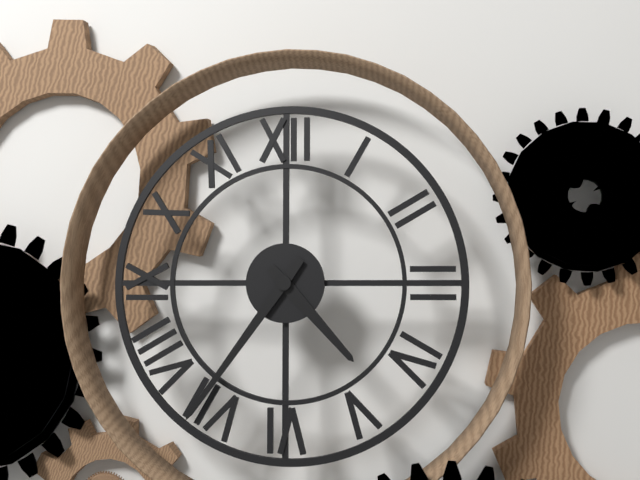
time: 4:36
